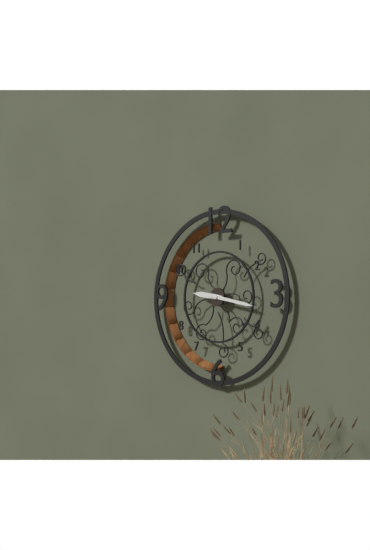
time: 9:17
